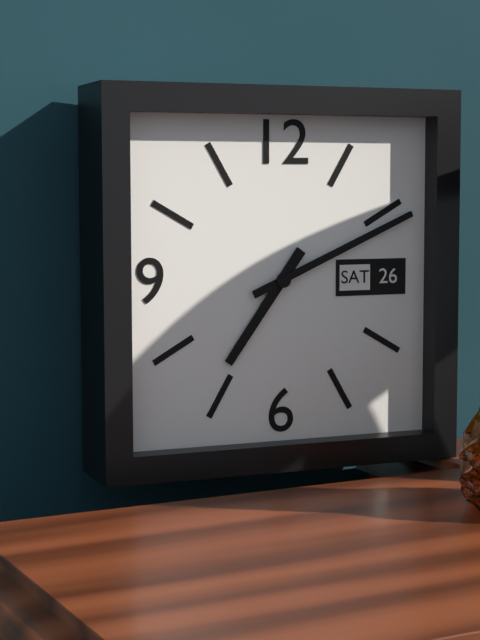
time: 7:11
